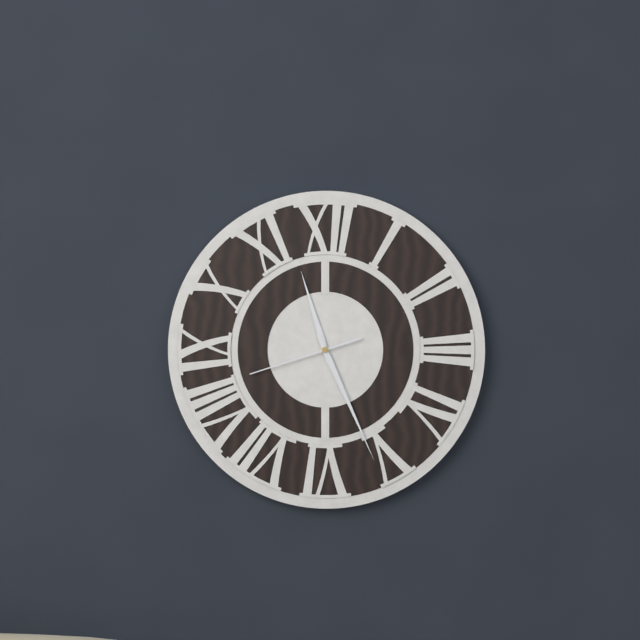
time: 11:26:42
